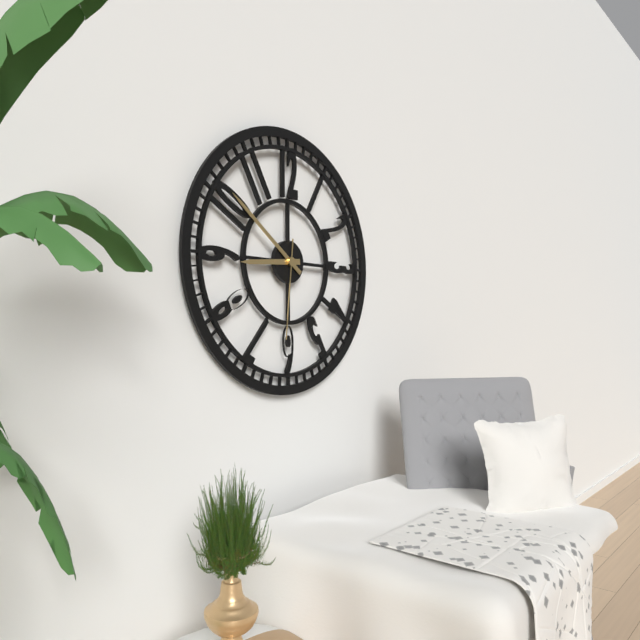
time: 8:51:31
